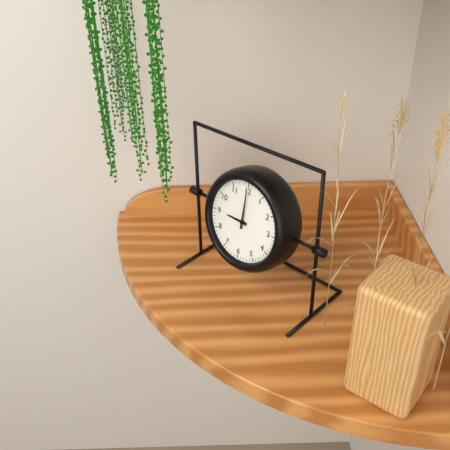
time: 9:00
